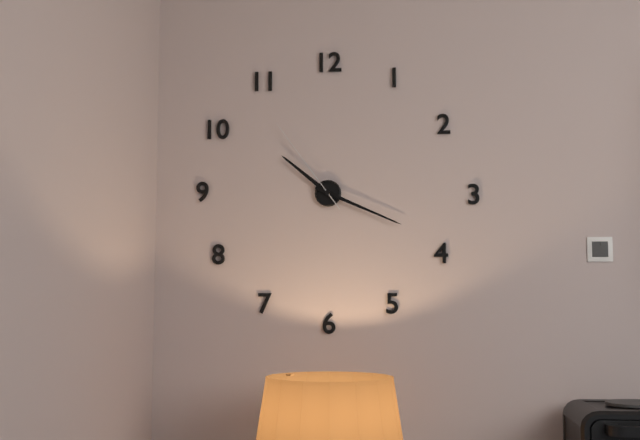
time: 10:19:54
